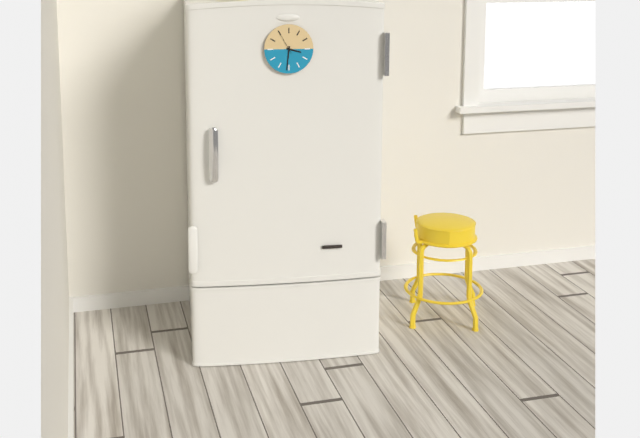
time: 3:31
